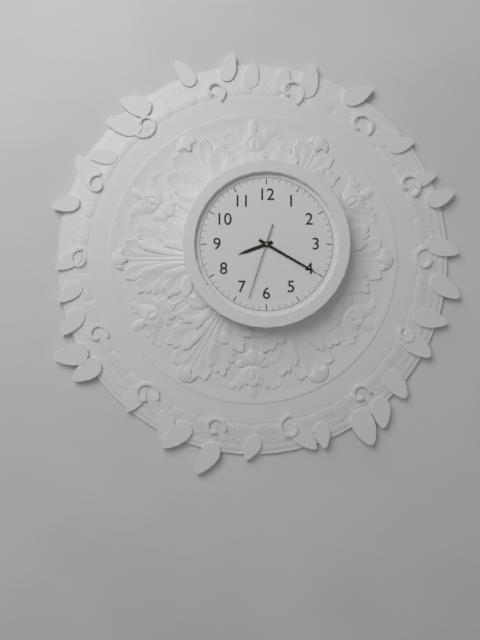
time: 8:20:33
